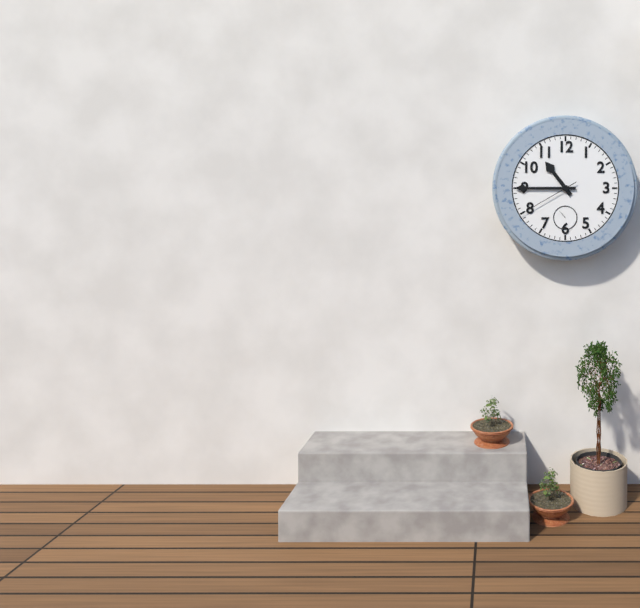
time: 10:45:40
